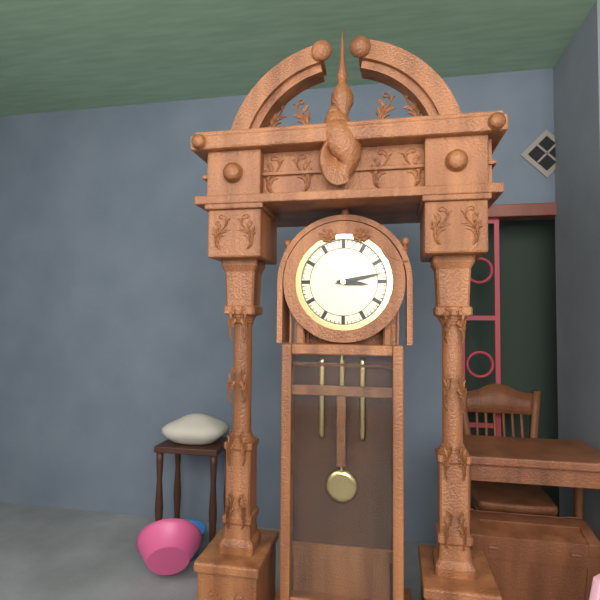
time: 3:13
